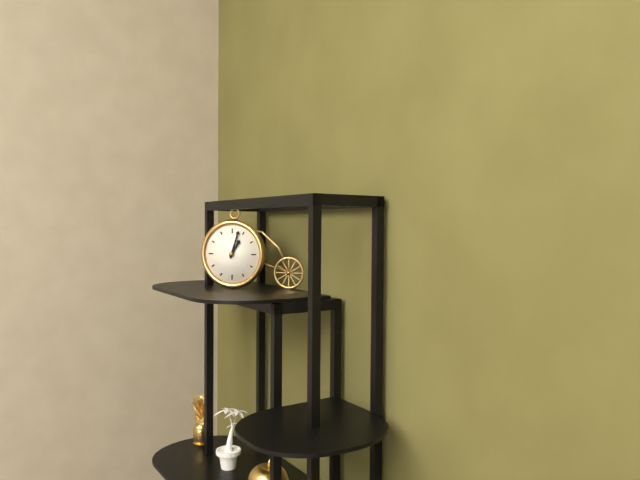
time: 1:03
